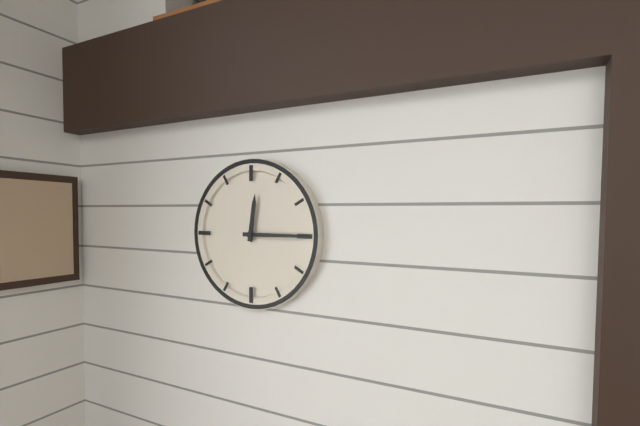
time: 12:15
